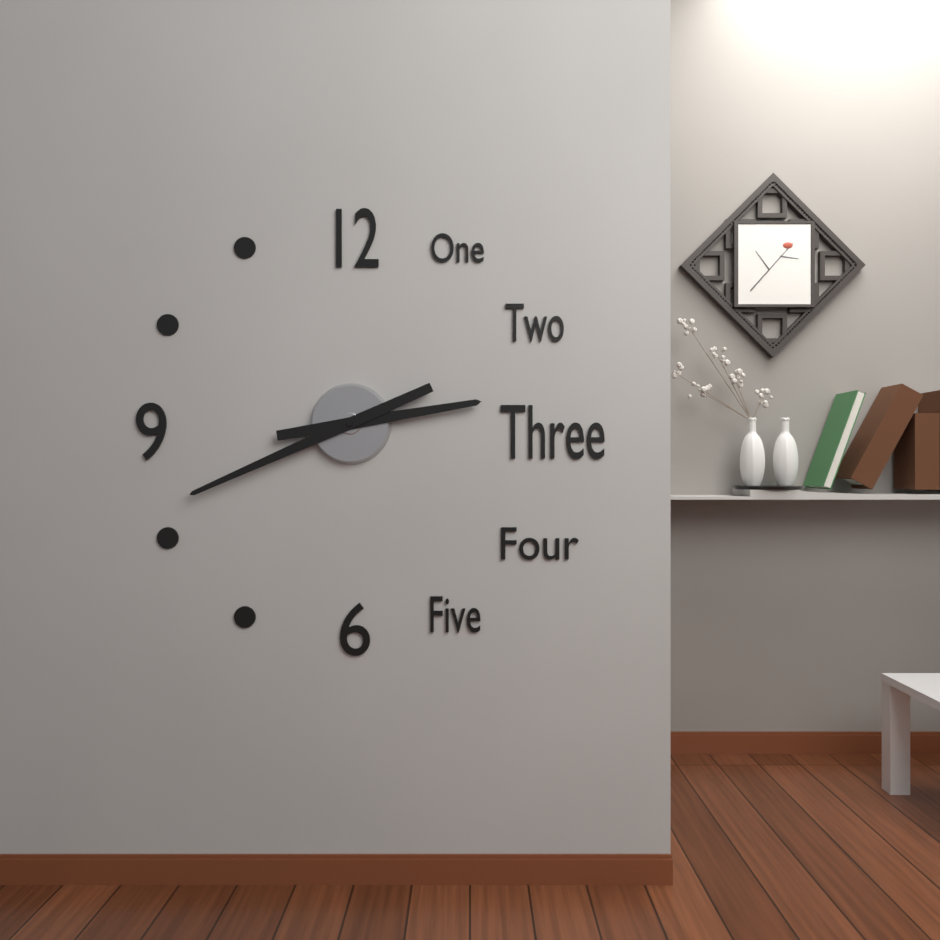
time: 2:41
